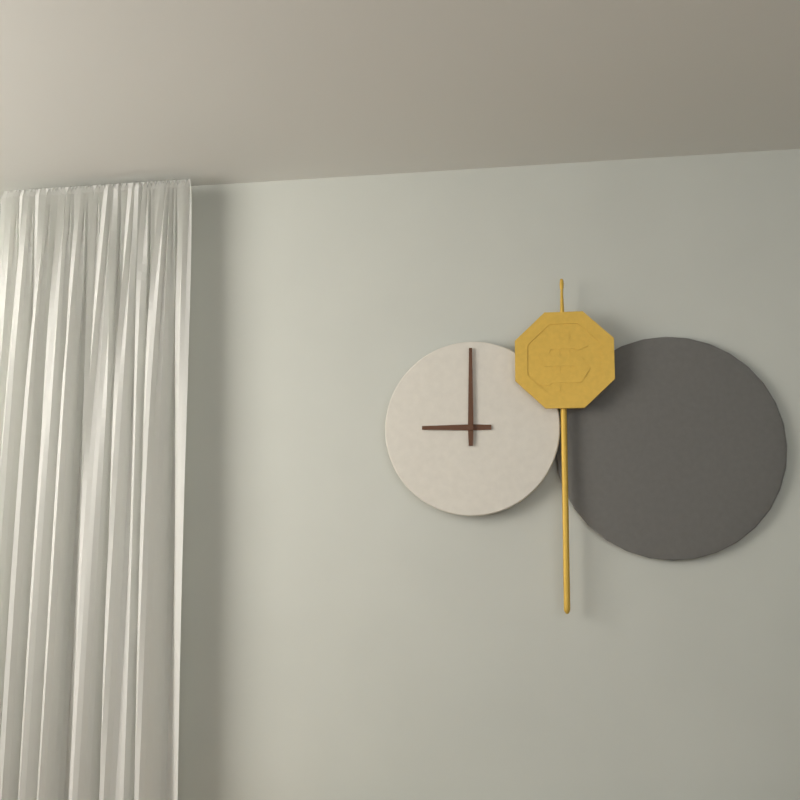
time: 9:00
